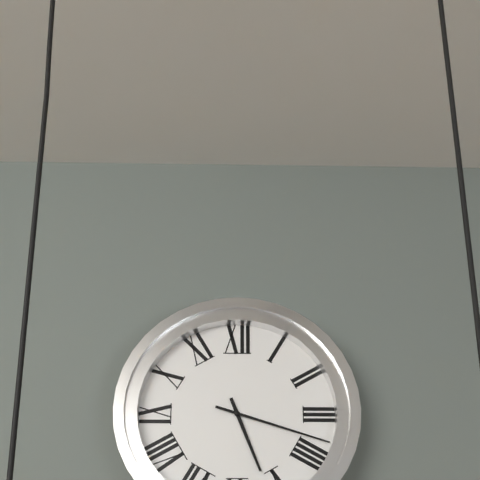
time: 5:18
